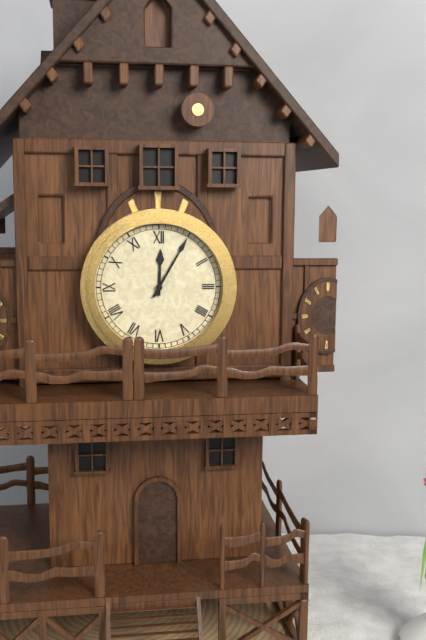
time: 12:05
